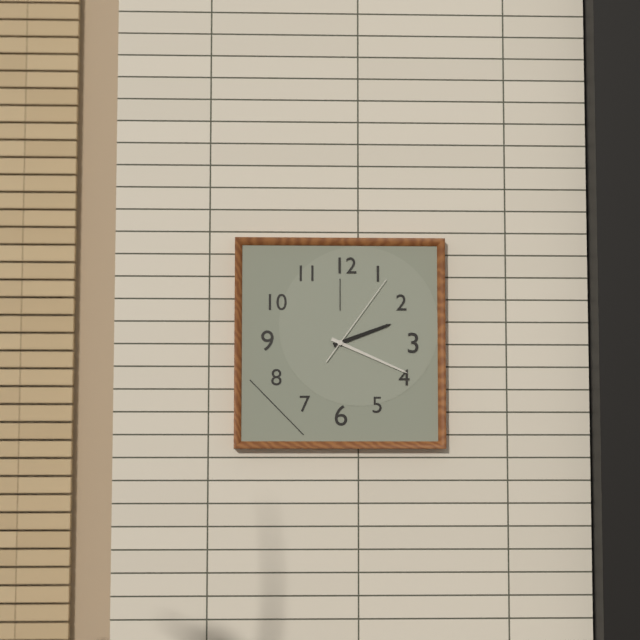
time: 2:19:06
